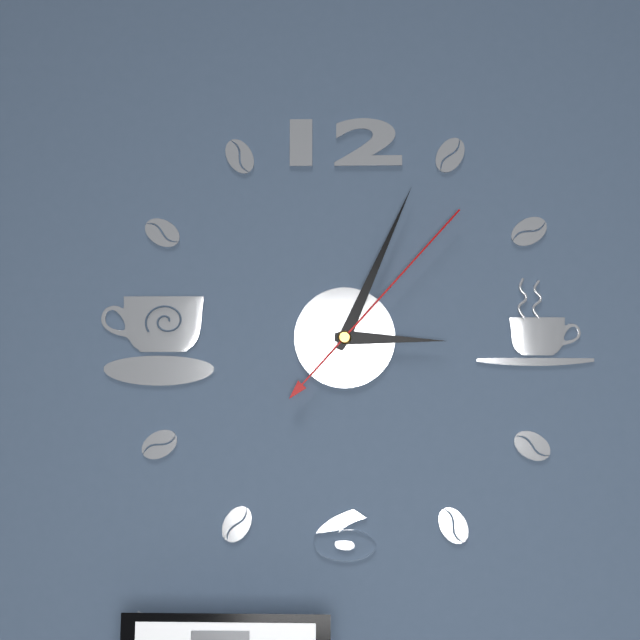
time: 3:04:07
